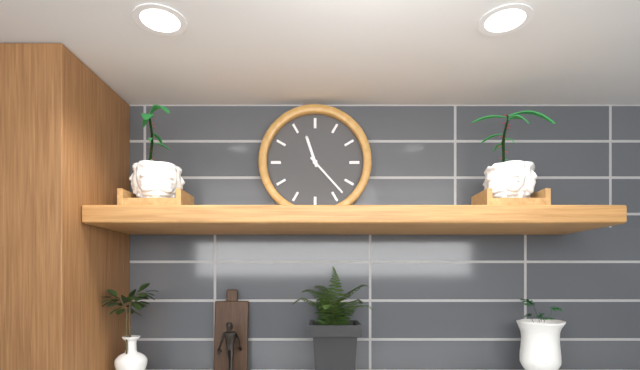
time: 11:23
